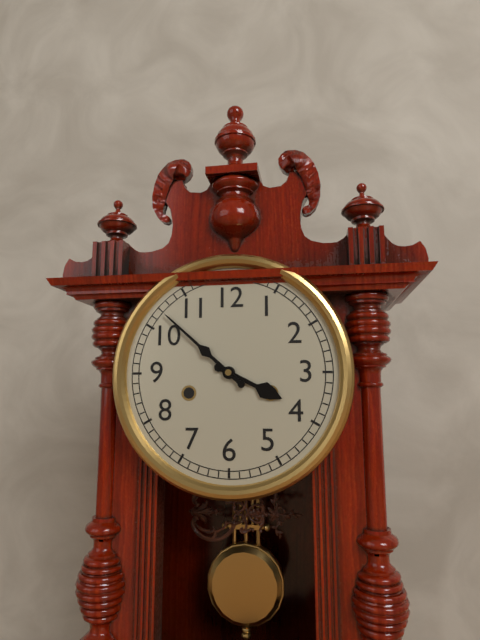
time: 3:52
